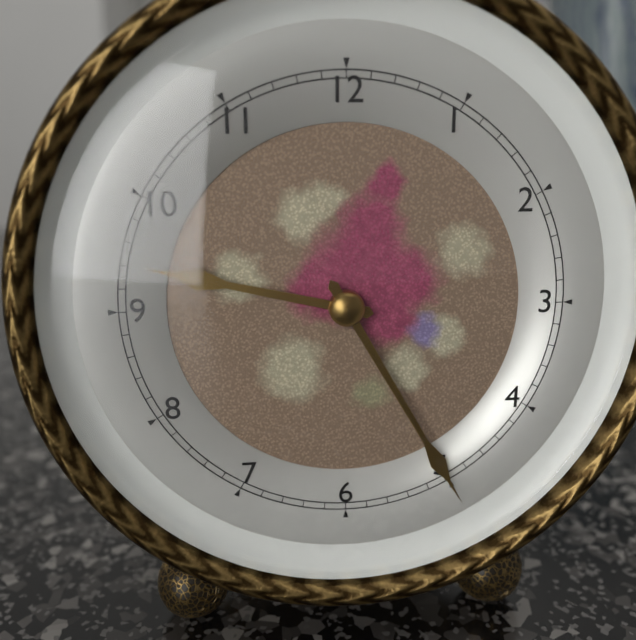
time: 9:25
